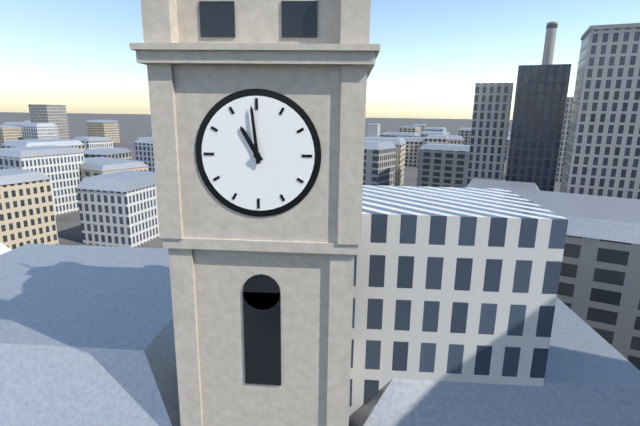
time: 10:59
